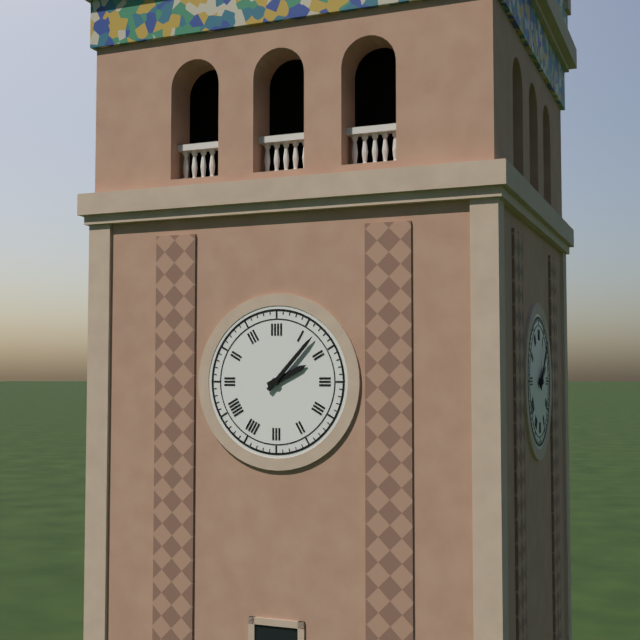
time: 2:07
